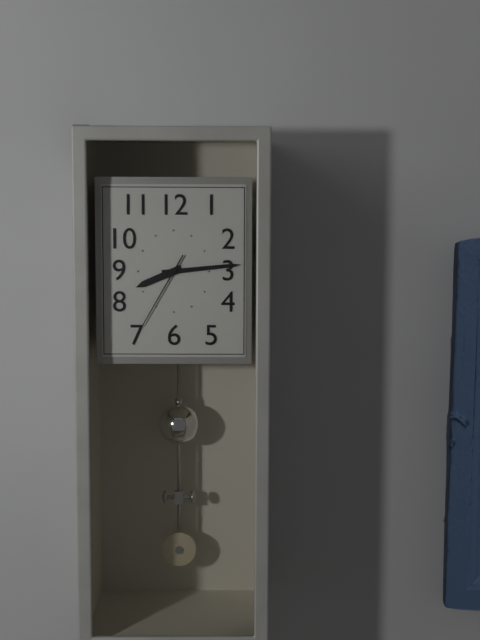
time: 8:14:35
